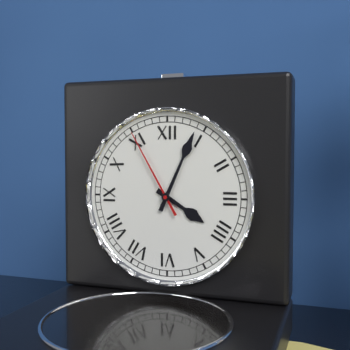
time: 4:04:55
